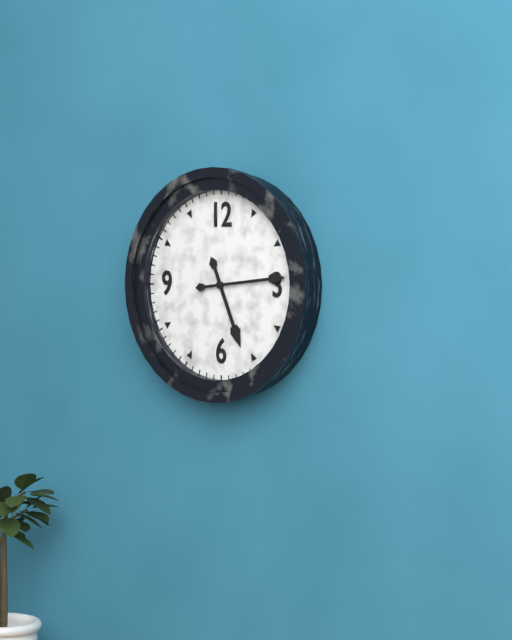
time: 5:14
